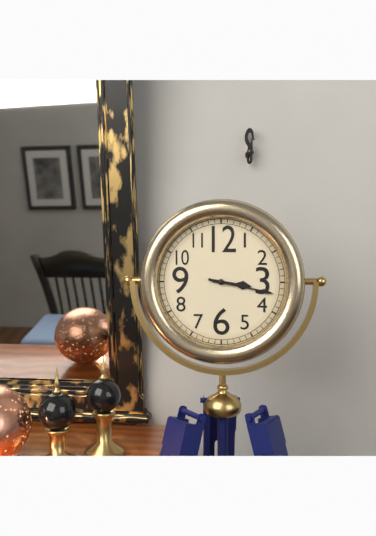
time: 3:17
